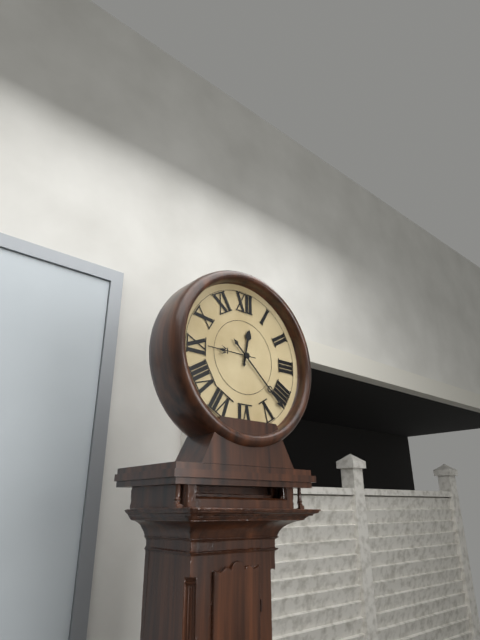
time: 12:22
